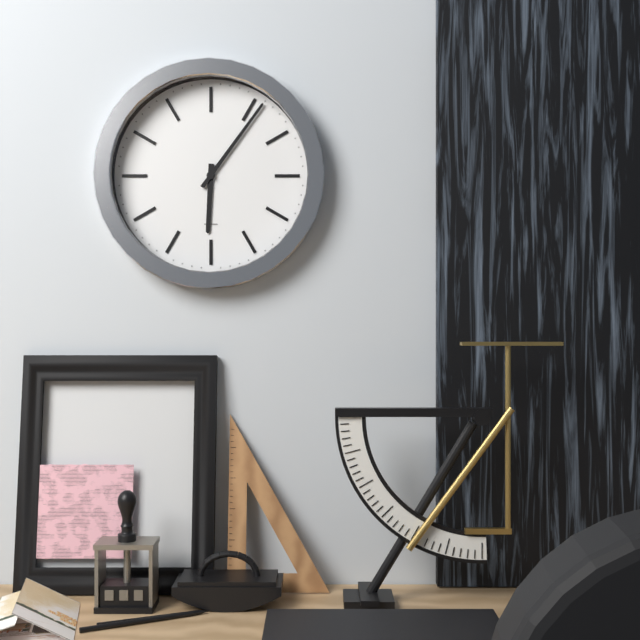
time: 6:06
